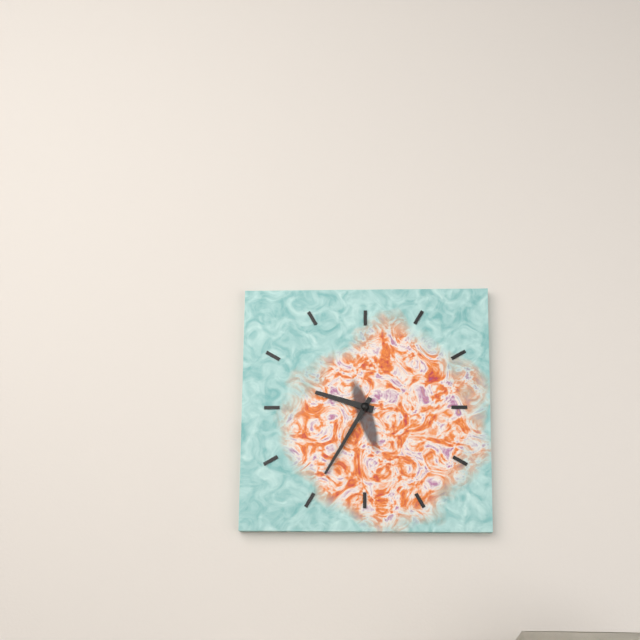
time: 9:35
